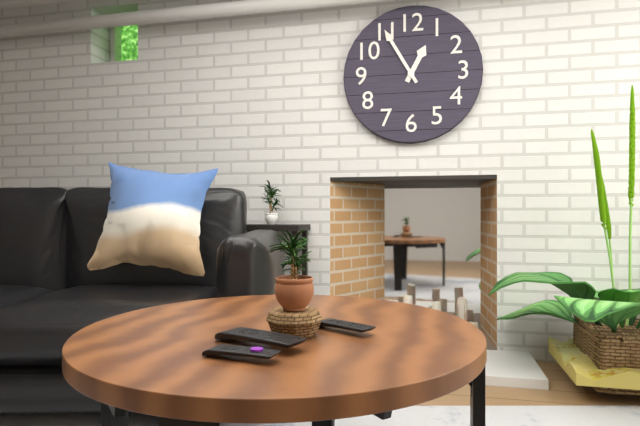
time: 12:55
